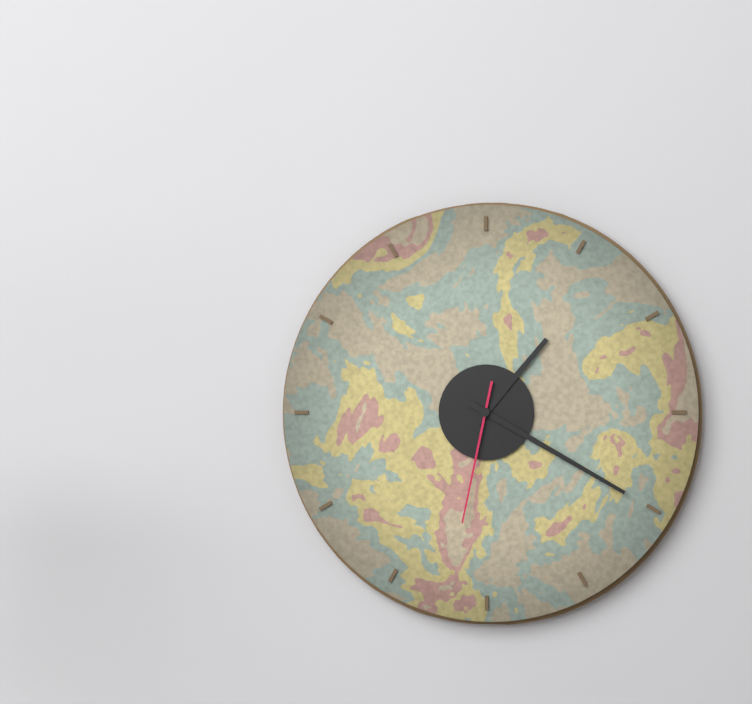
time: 1:20:32
